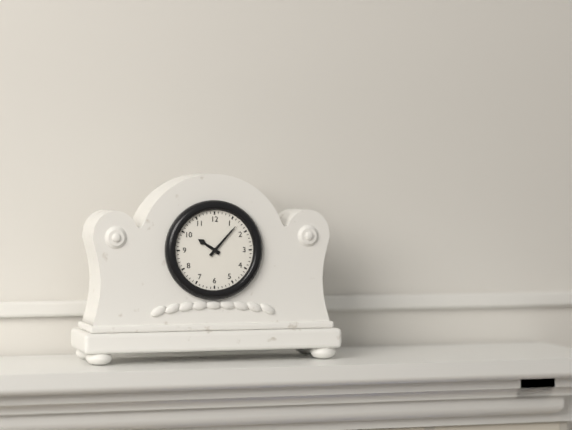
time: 10:07
